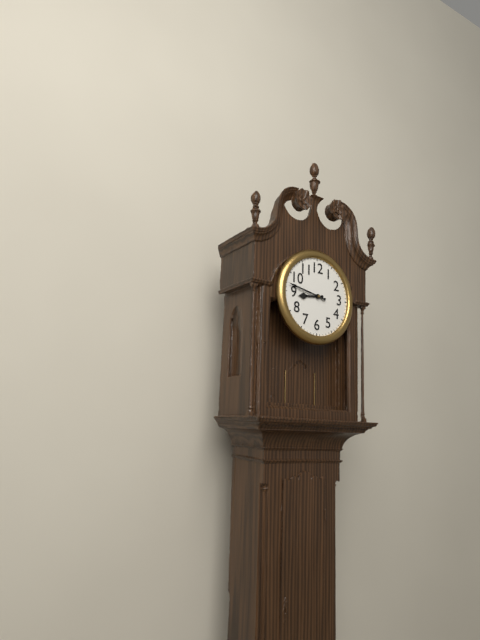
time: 8:47
